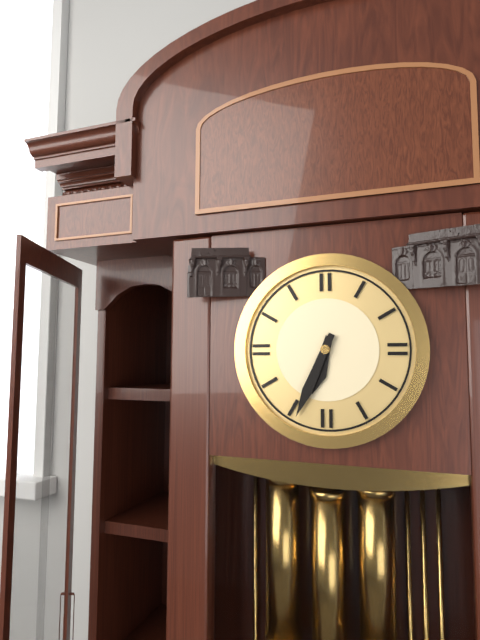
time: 6:34
